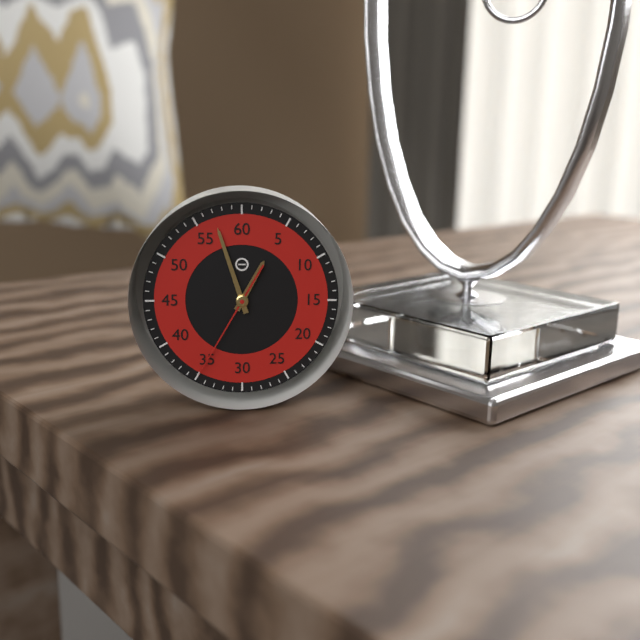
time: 12:57:35
